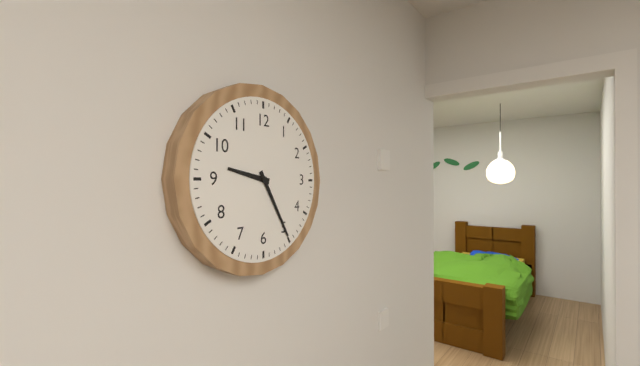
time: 9:25
